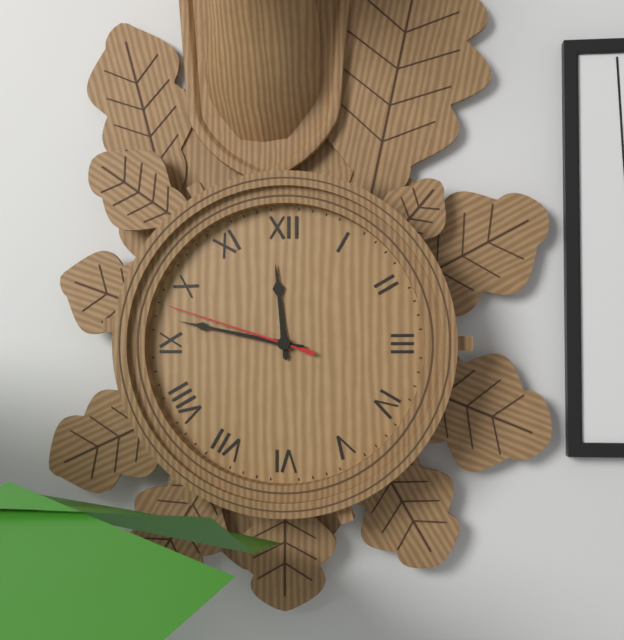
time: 11:47:48
